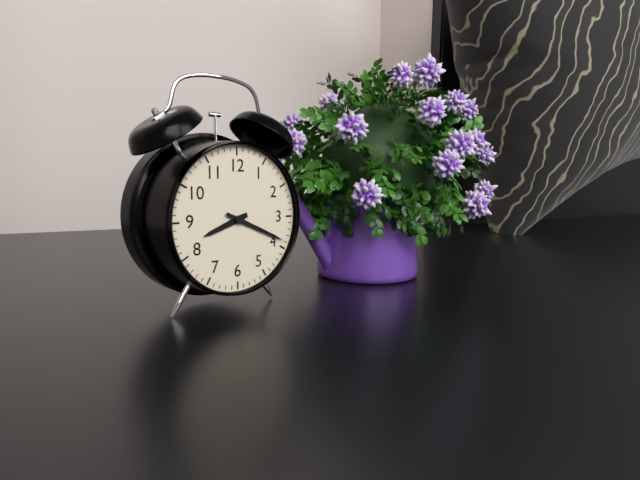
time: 8:19
